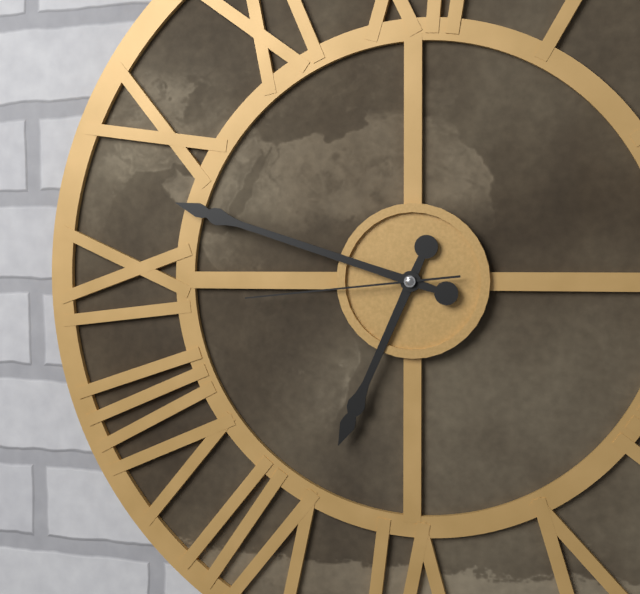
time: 6:48:44
